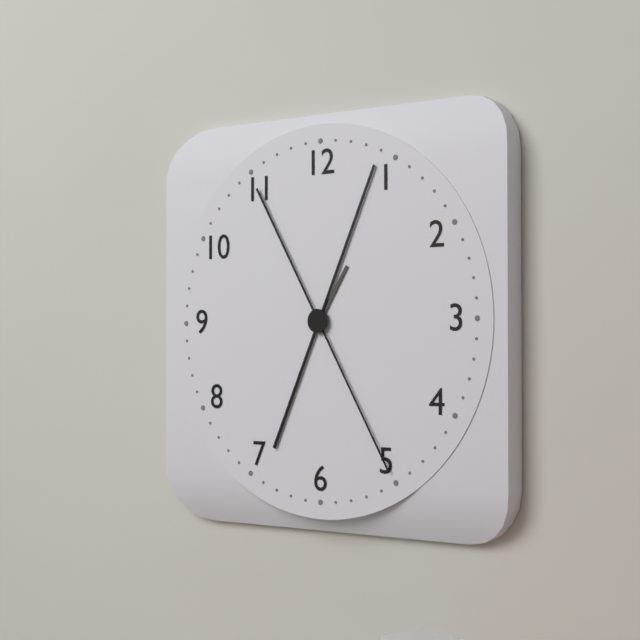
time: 1:04:25
